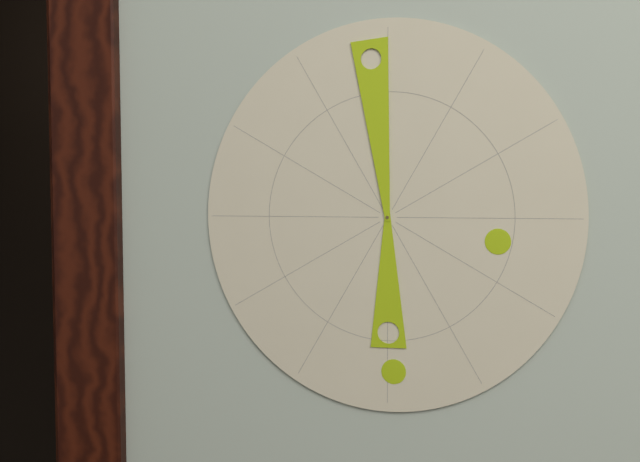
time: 5:59
